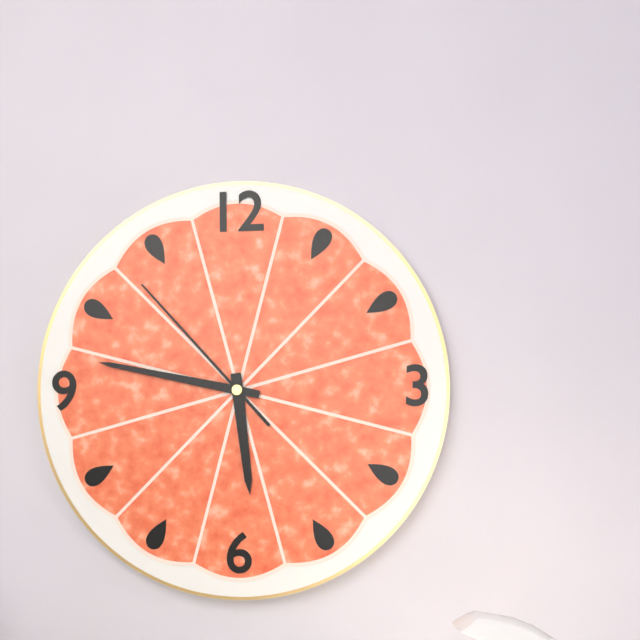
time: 5:47:53
